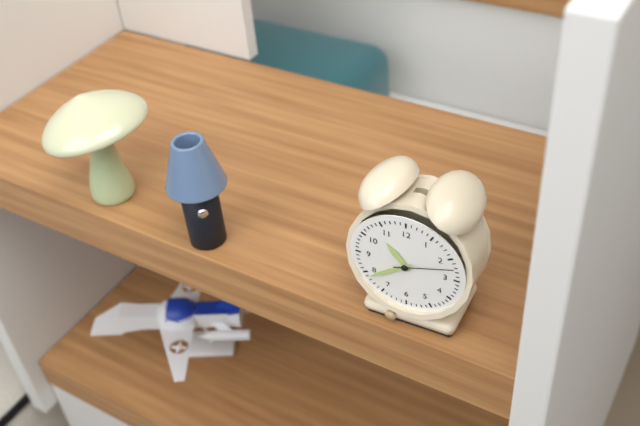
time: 10:39:12
